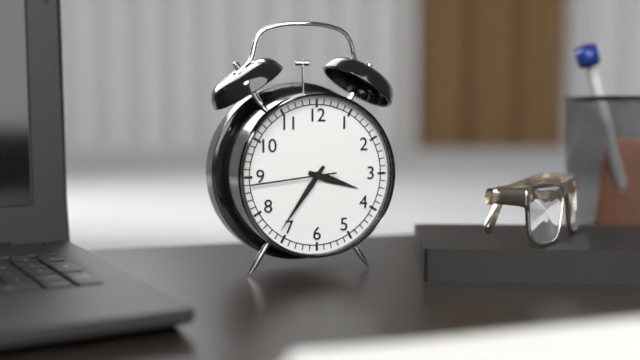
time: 3:36:44
